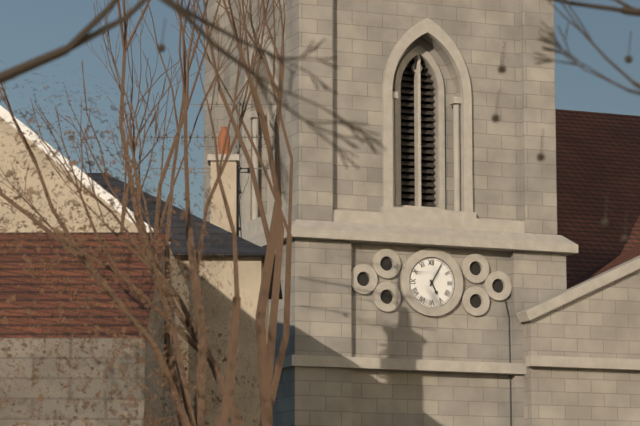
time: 5:05
